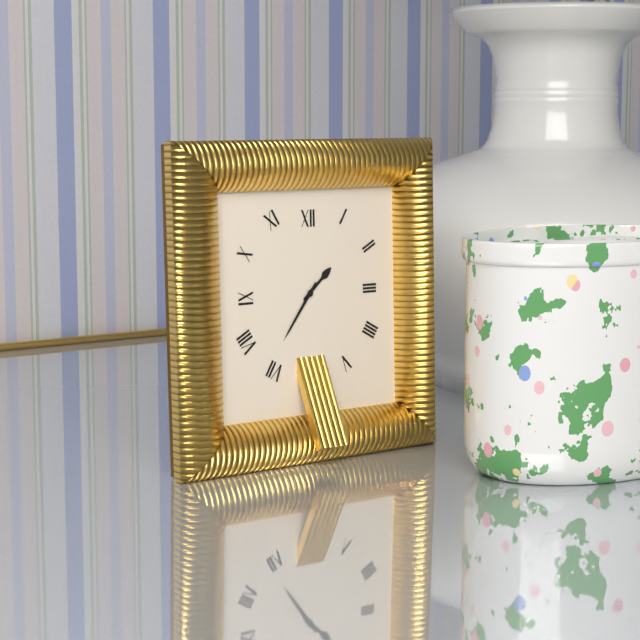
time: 1:36
